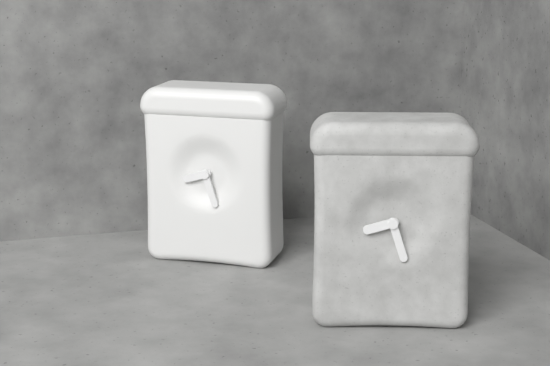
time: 8:27
